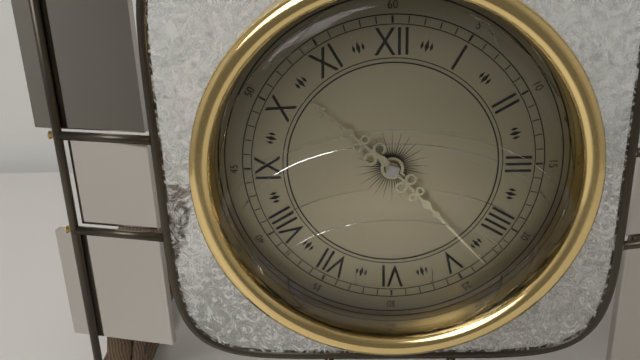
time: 10:23
